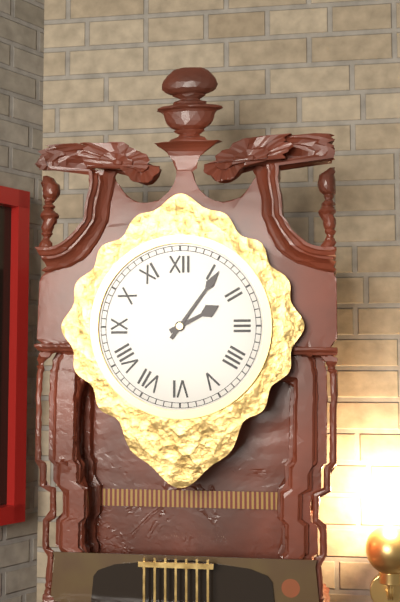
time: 2:06
